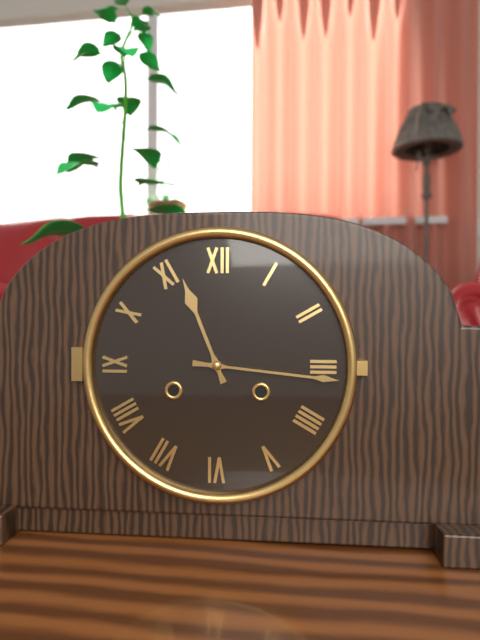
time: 11:16
